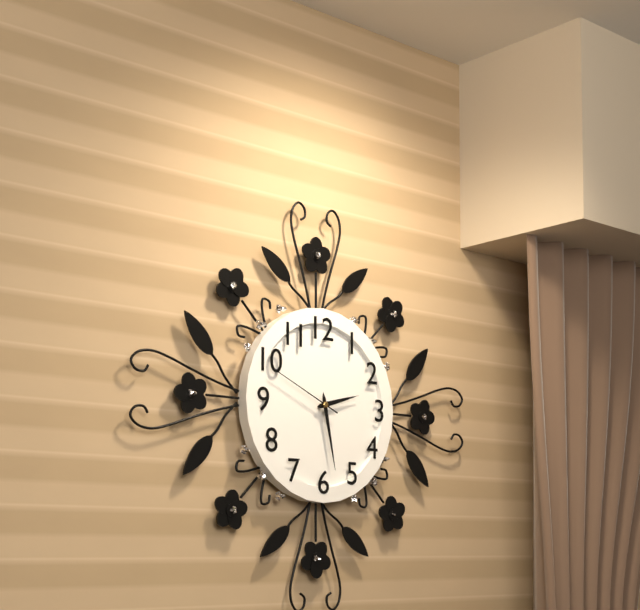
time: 2:28:49
